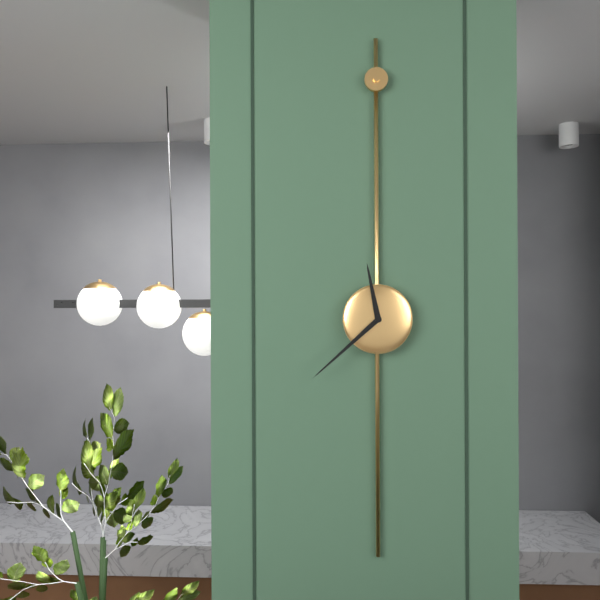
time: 11:38
